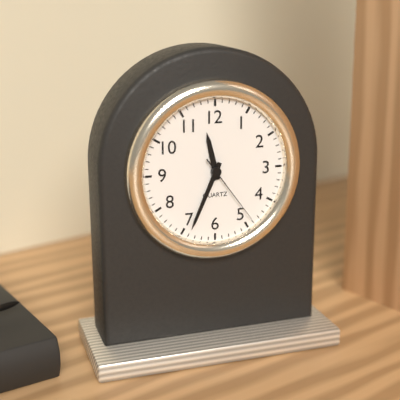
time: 11:34:24
